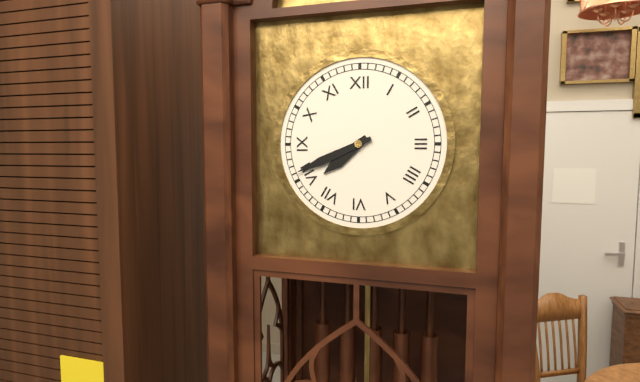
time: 7:41
